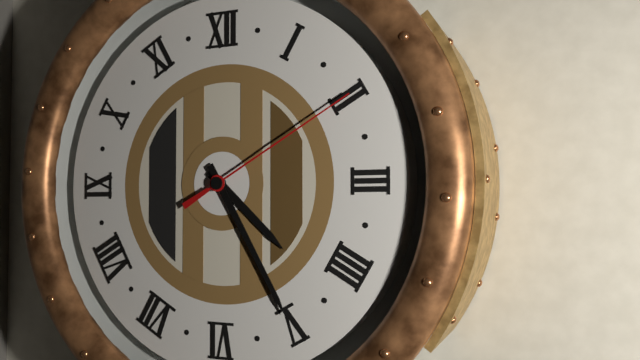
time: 4:25:10
